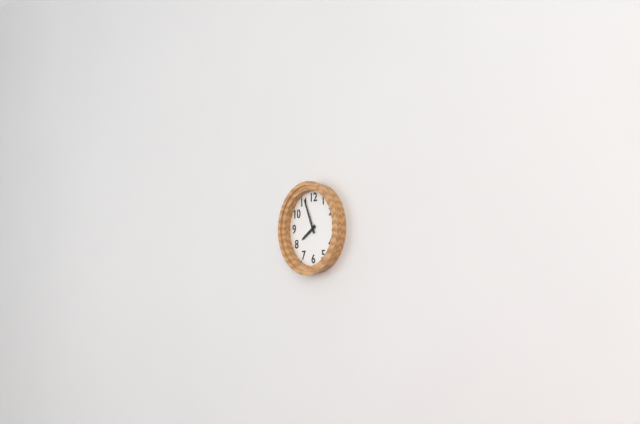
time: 7:56
